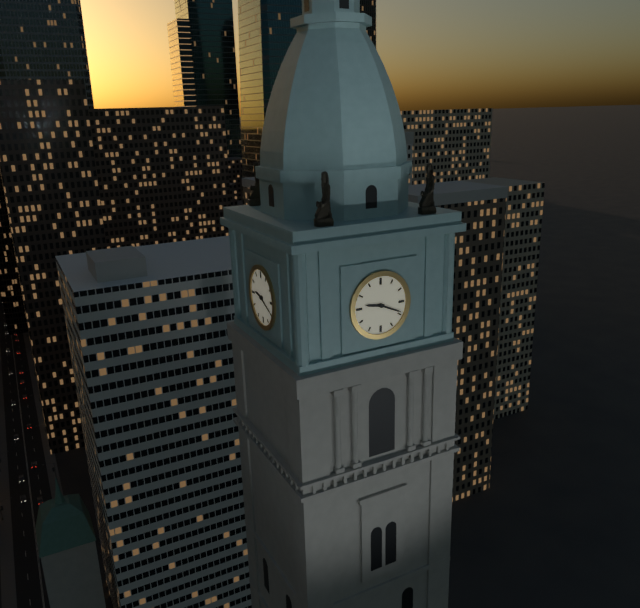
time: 9:19
